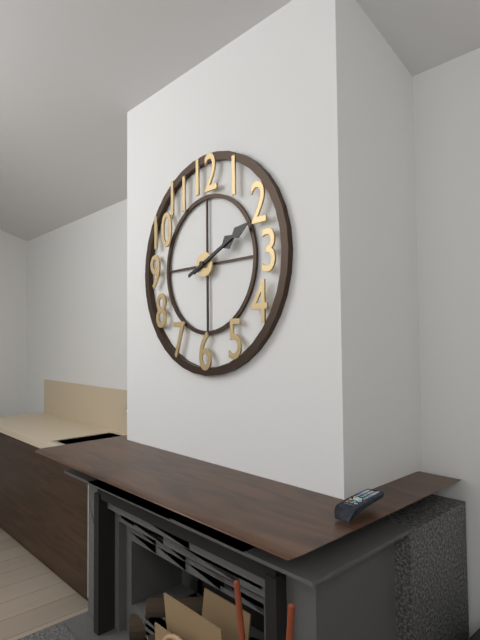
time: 2:11
